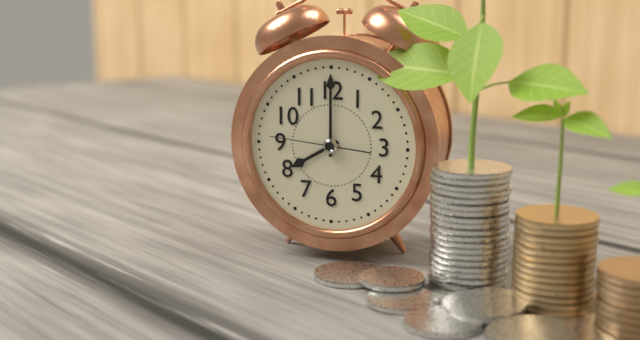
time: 8:00:46
